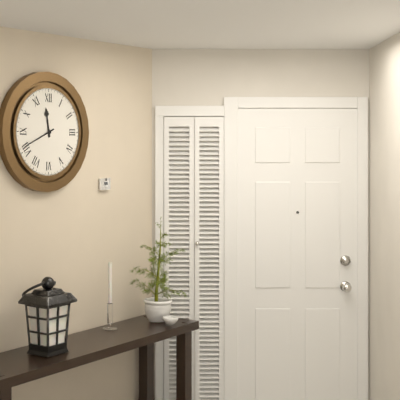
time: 11:41
